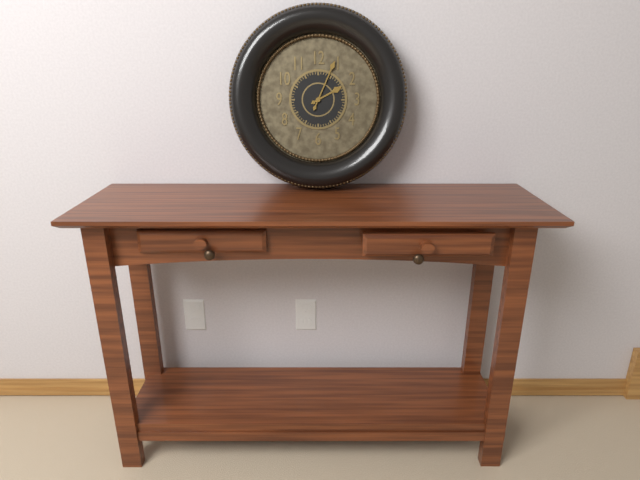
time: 2:04
